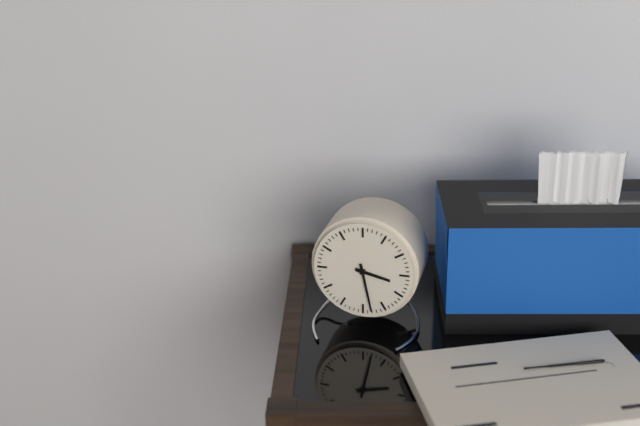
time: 3:28
